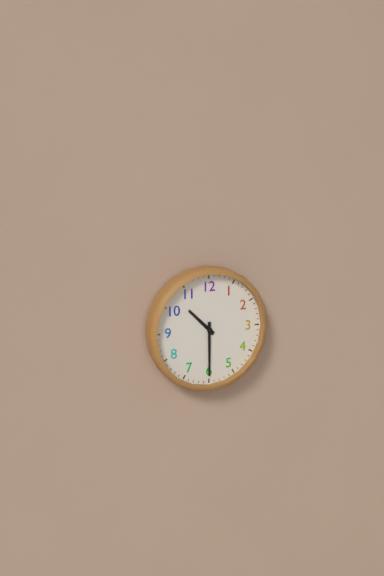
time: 10:30
